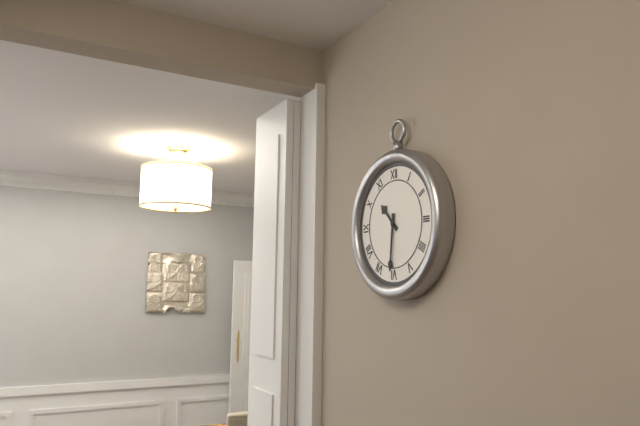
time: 10:31
